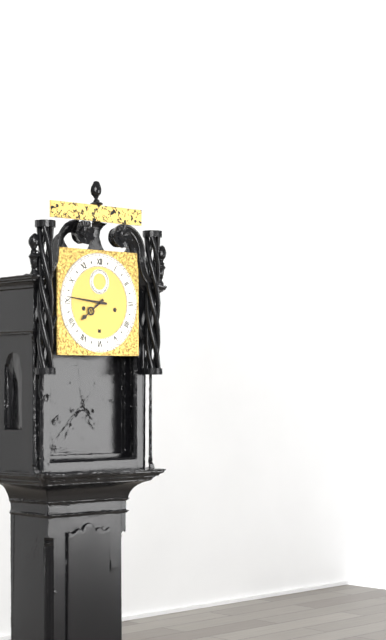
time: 7:46
